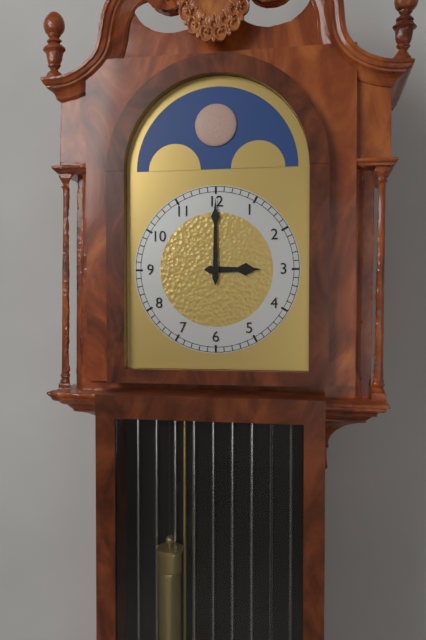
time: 3:00
